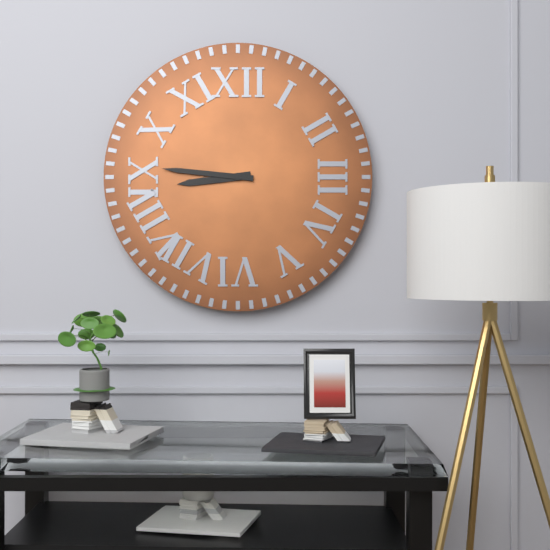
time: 8:46
